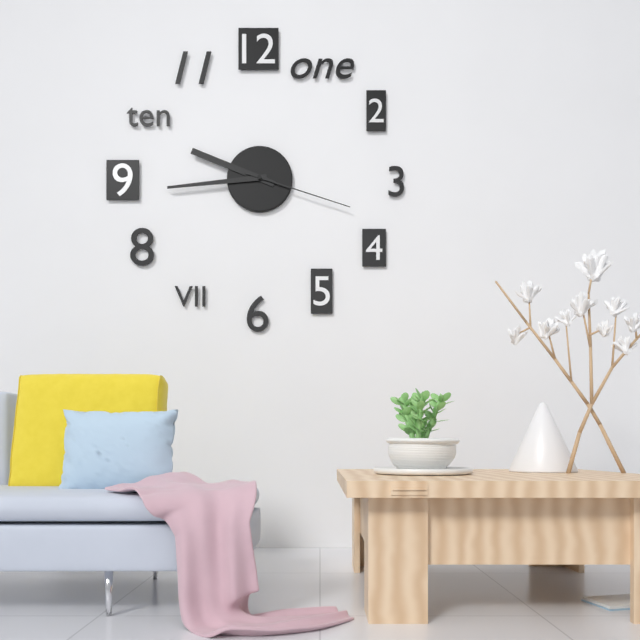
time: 9:44:18
